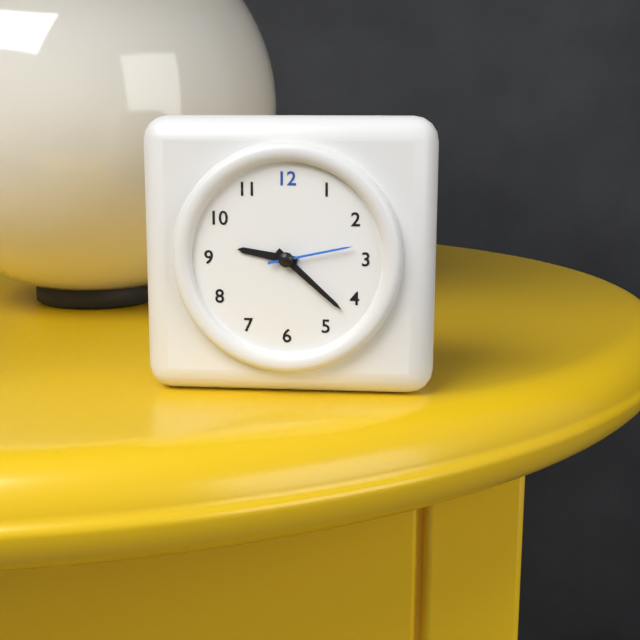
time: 9:22:13
